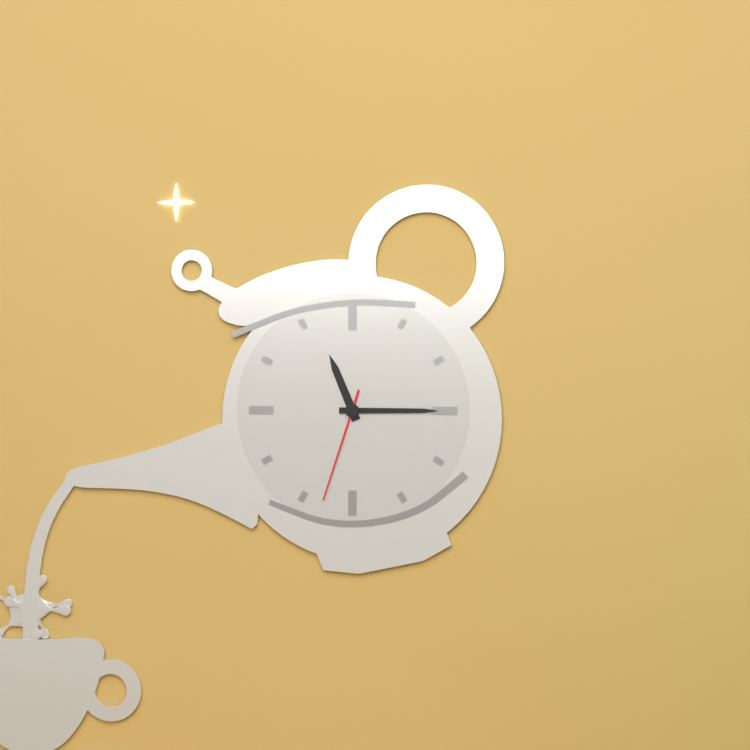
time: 11:15:33
